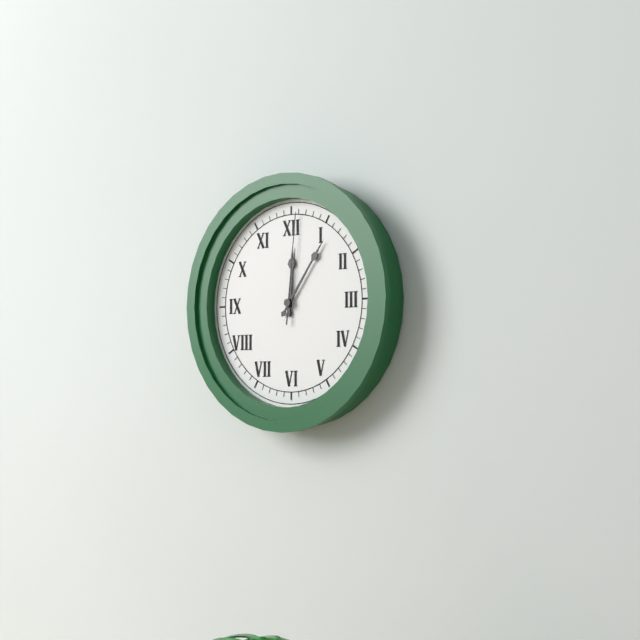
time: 12:06:01
